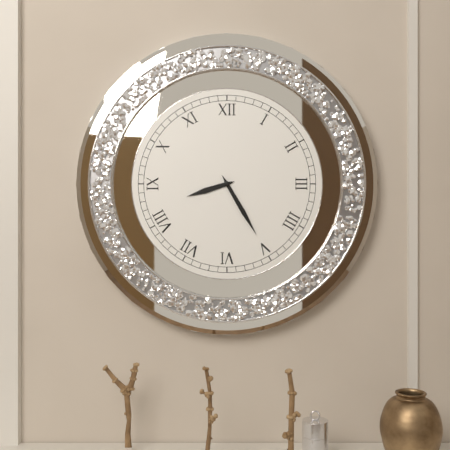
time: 8:25
